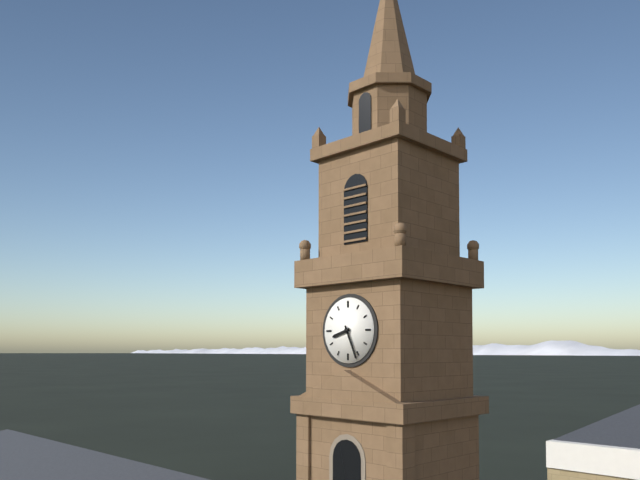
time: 8:26
